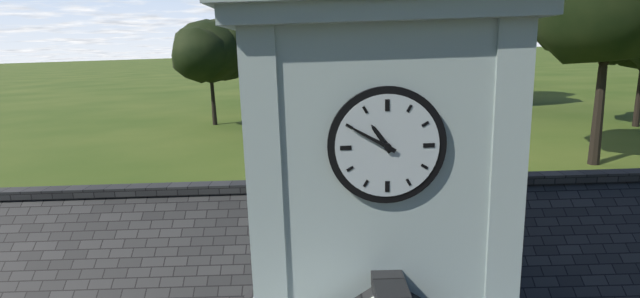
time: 10:50
